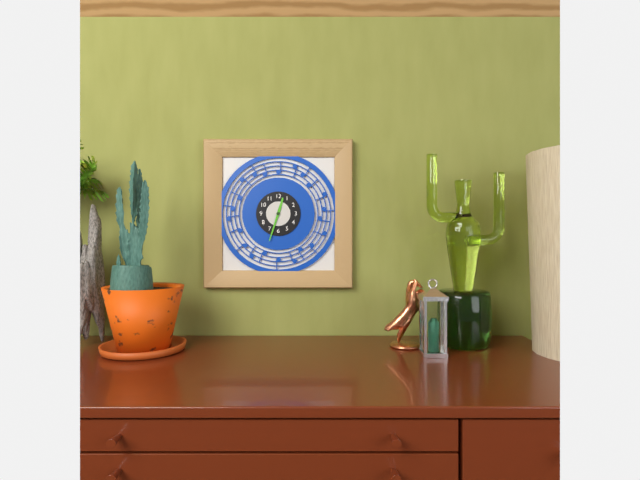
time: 12:33
